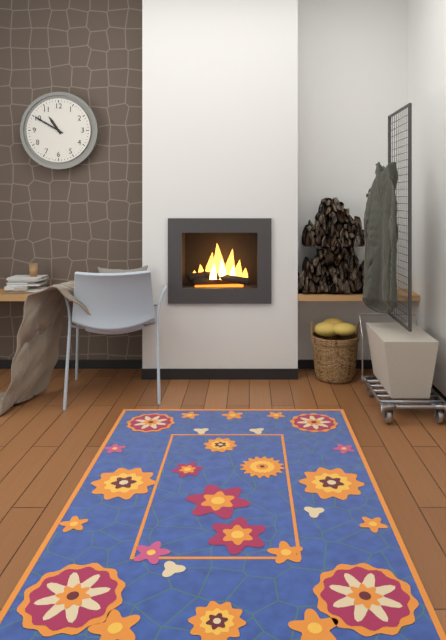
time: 10:50
